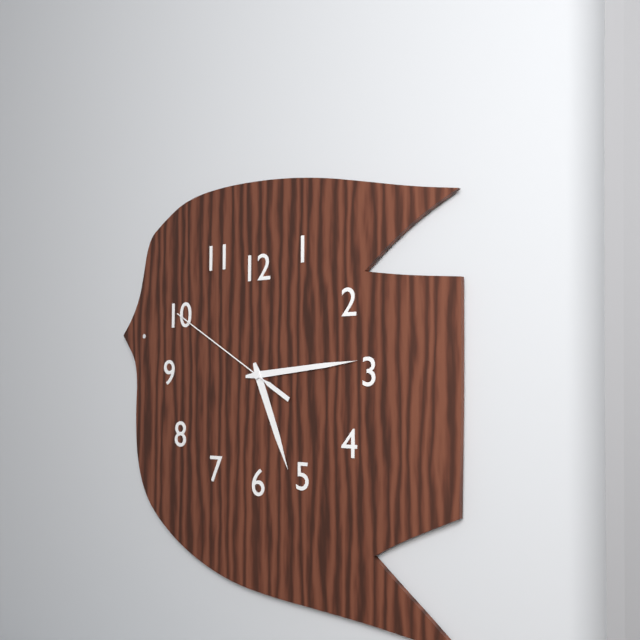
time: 5:14:50
